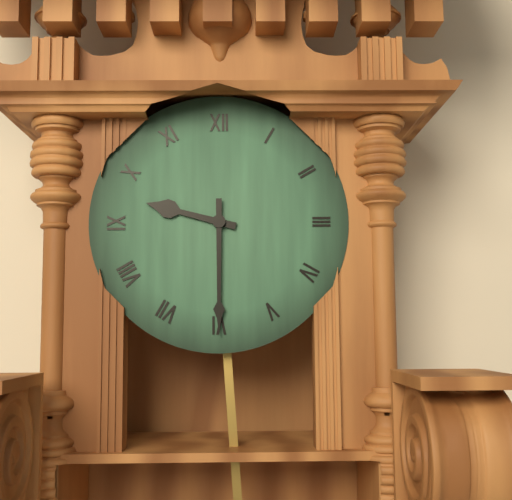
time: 9:30
